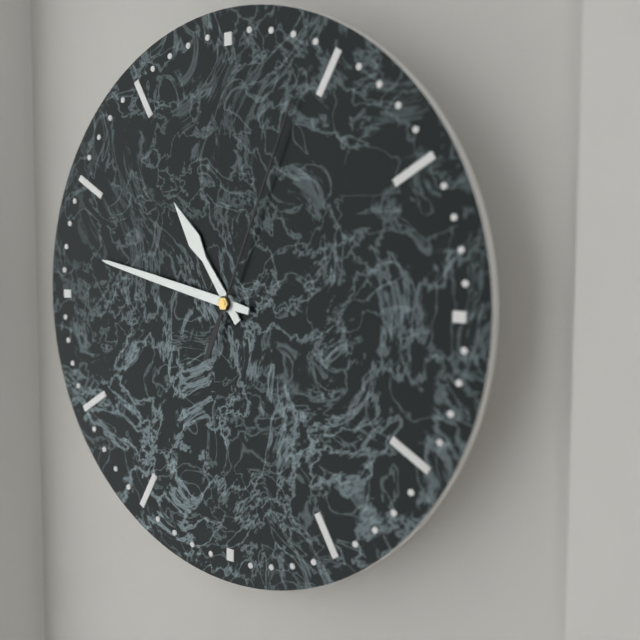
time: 10:47:04
